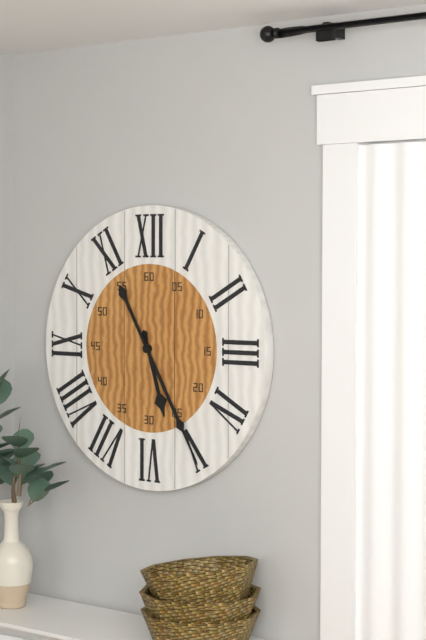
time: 5:25
